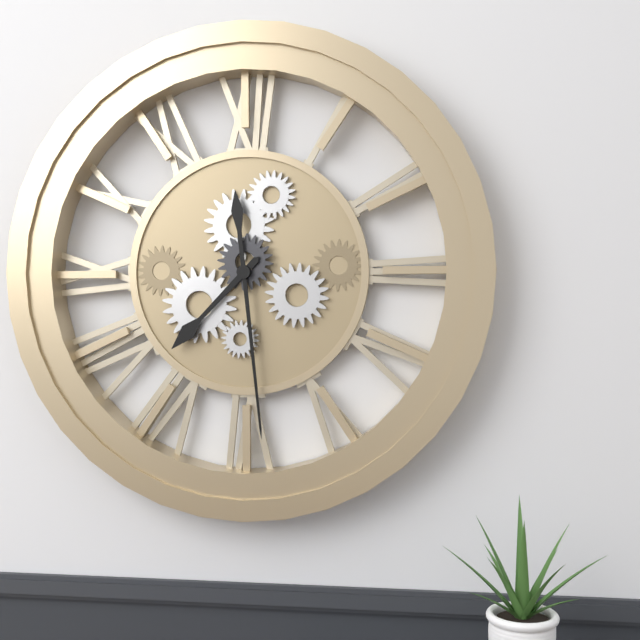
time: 7:29
